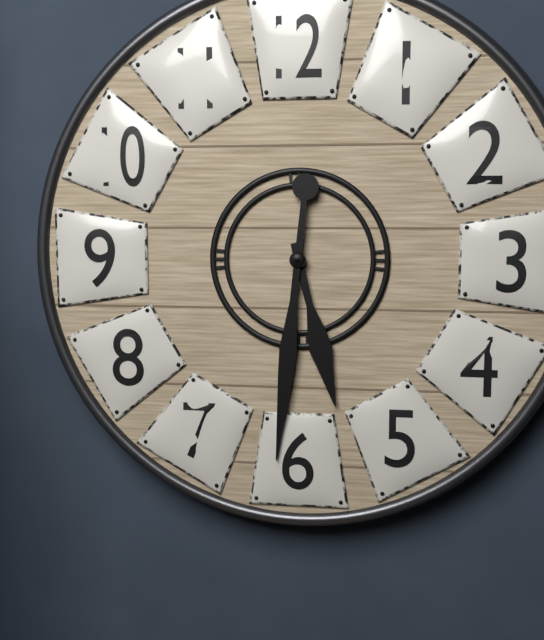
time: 5:31
